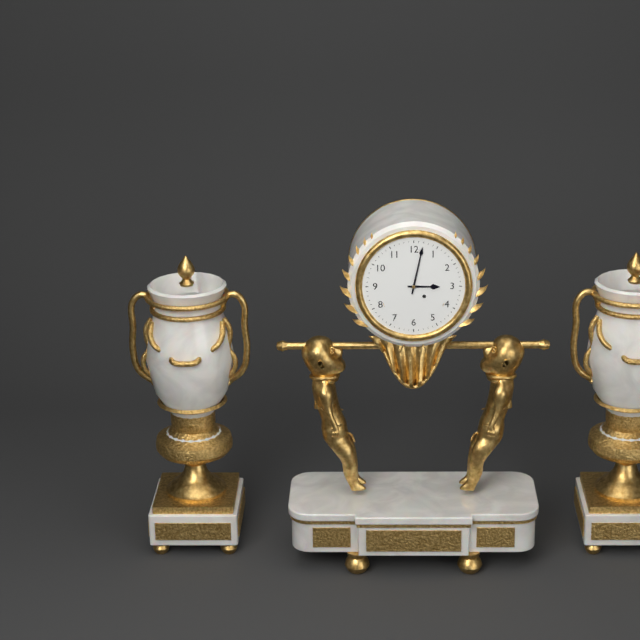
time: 3:02
